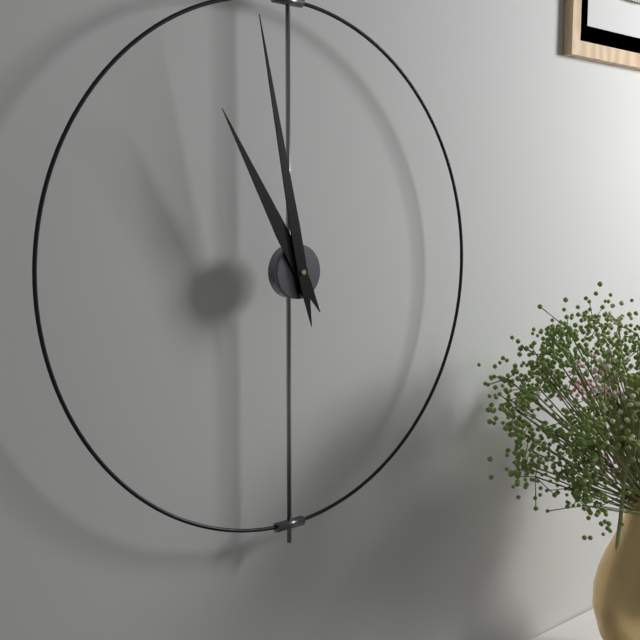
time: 10:58
